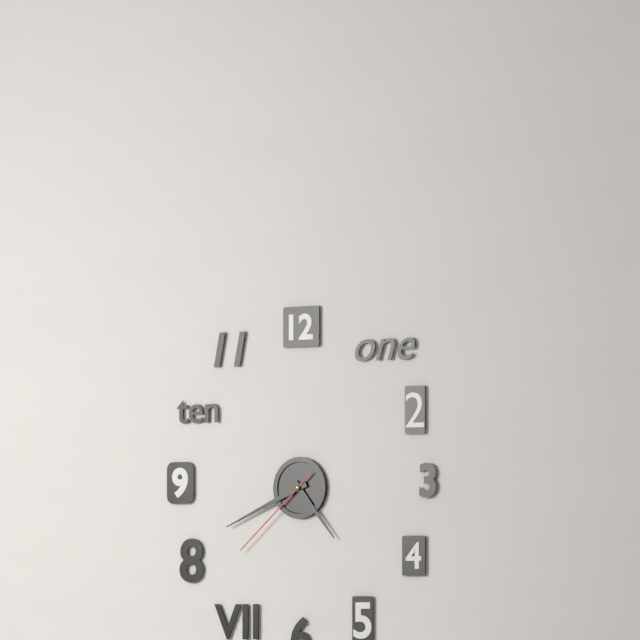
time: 4:41:38
